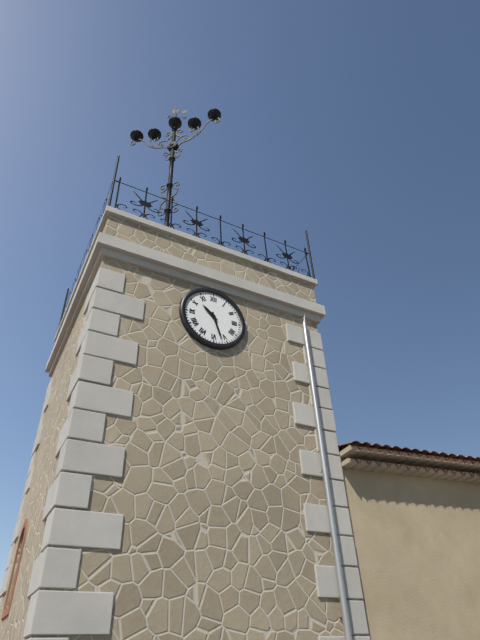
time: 10:27
